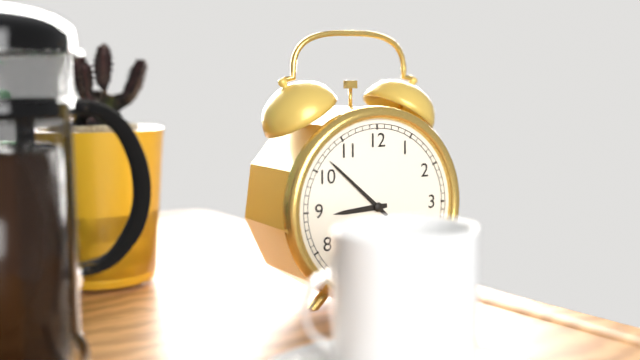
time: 8:52
